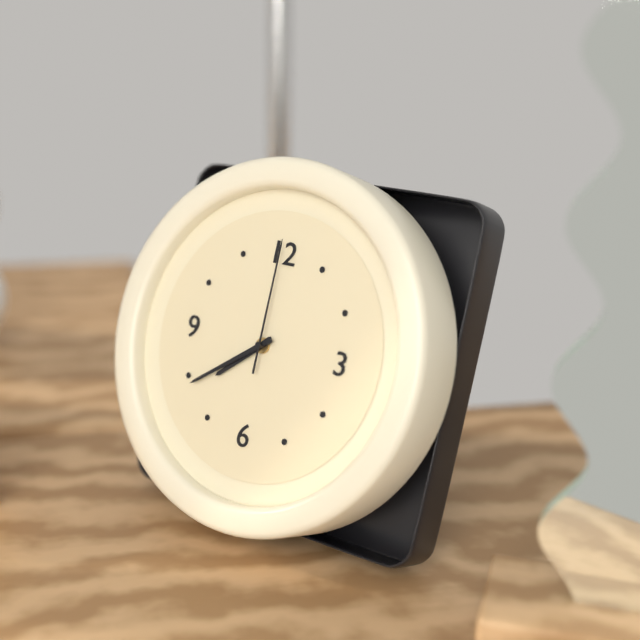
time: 7:39:00
